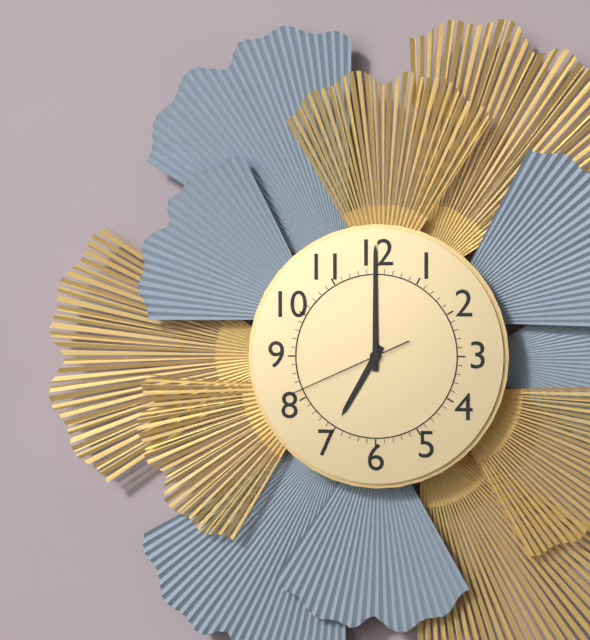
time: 7:00:41
